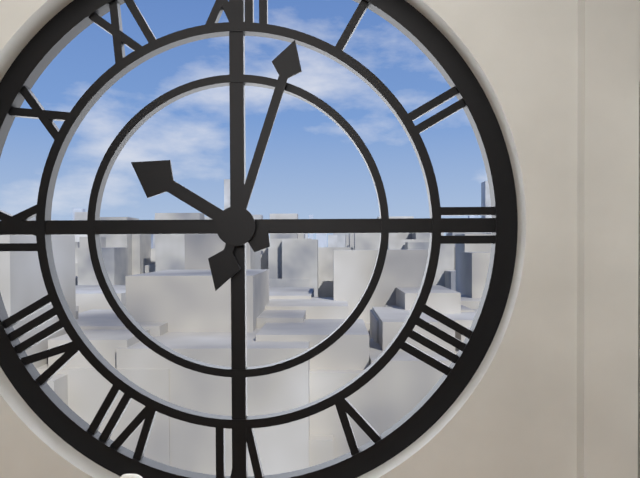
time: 10:03
